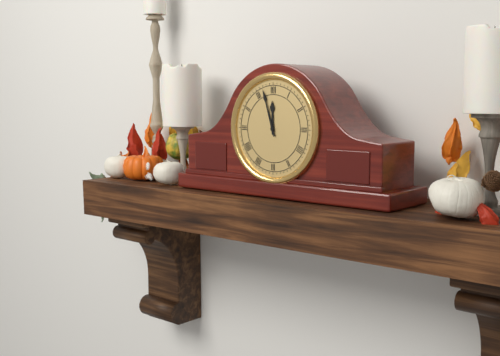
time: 11:57
